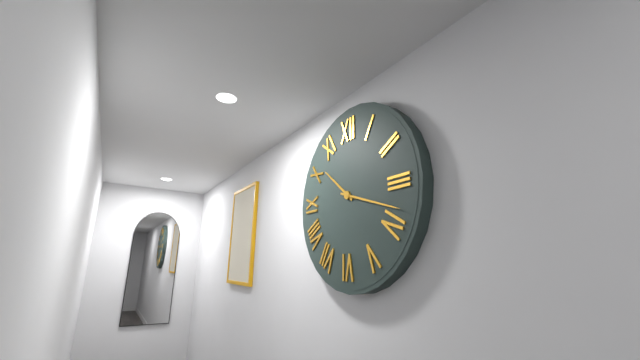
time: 10:18
